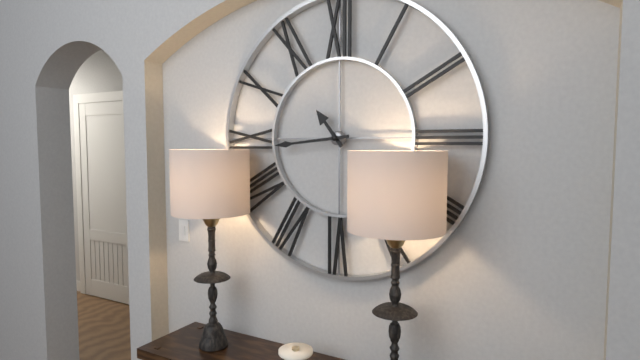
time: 10:44
